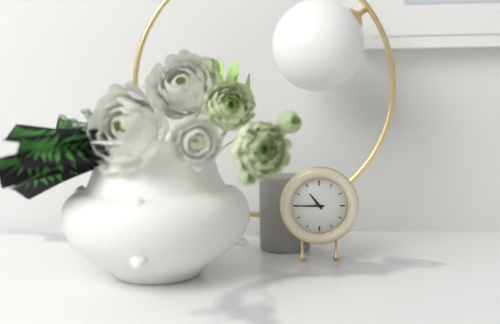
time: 10:45
